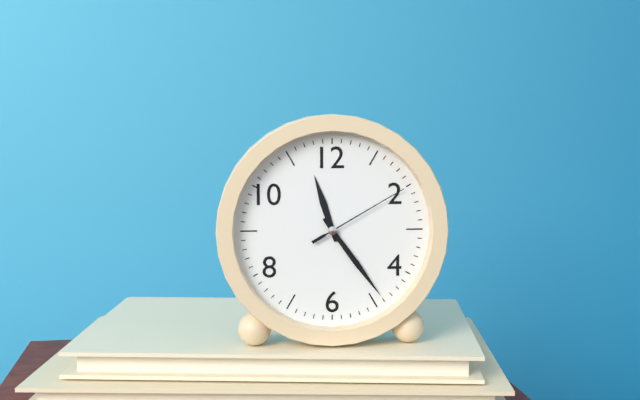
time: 11:24:10
